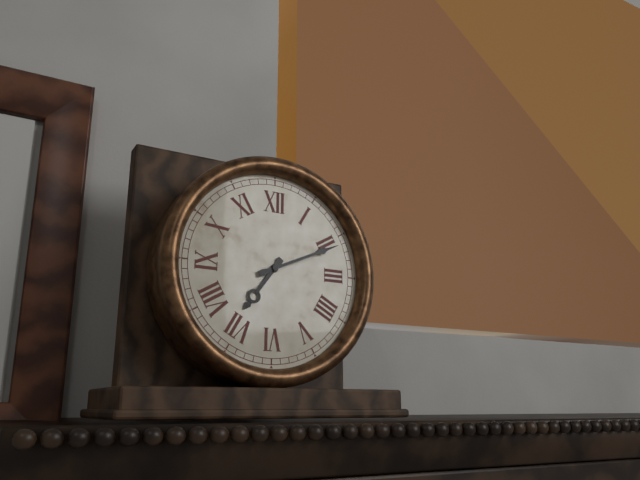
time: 7:11
